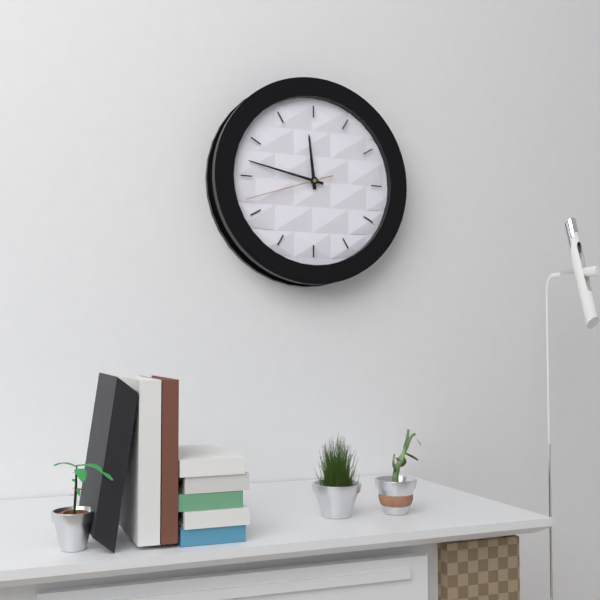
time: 11:47:42
